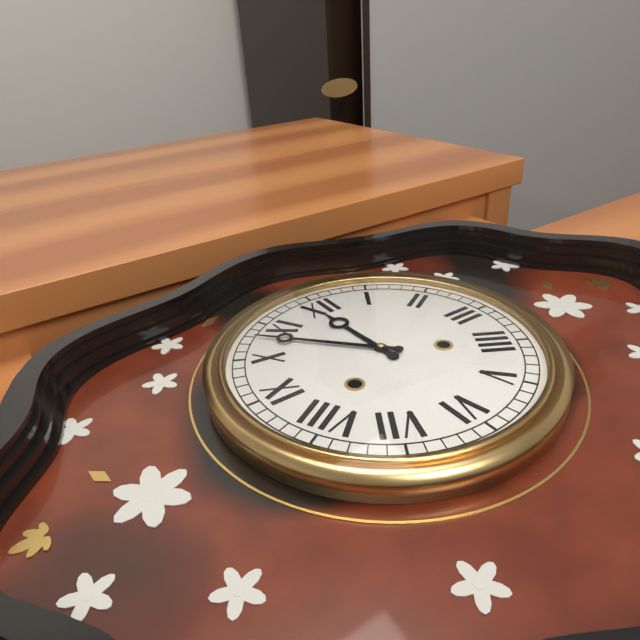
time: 11:53
